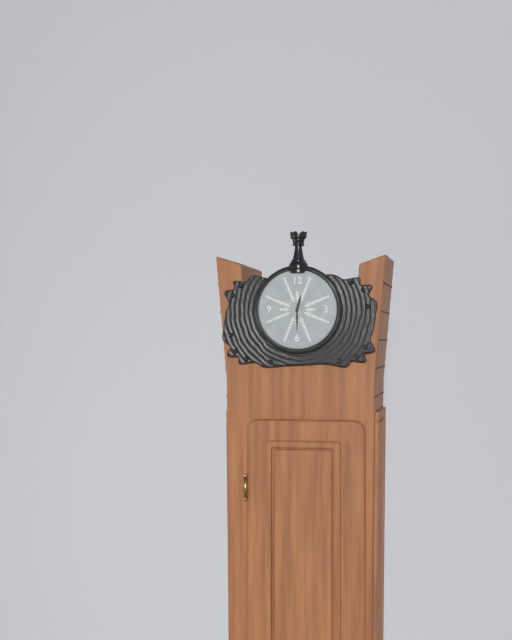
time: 12:30
